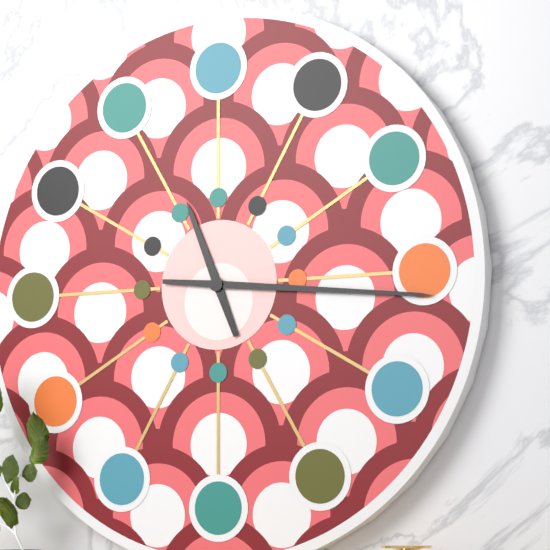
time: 11:16
